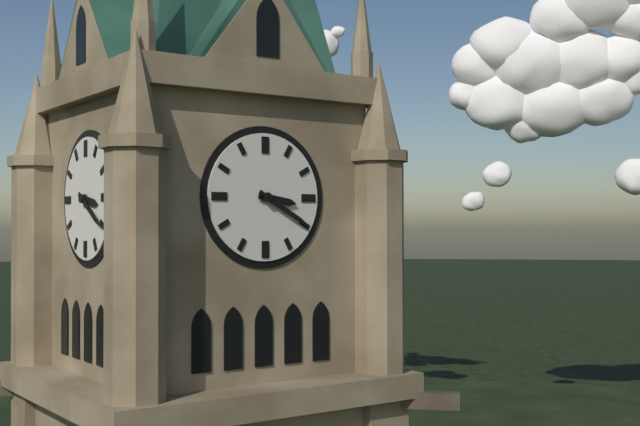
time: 3:20
